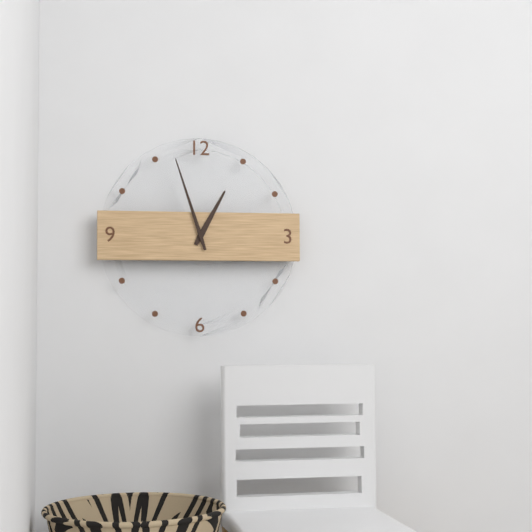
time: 12:57
